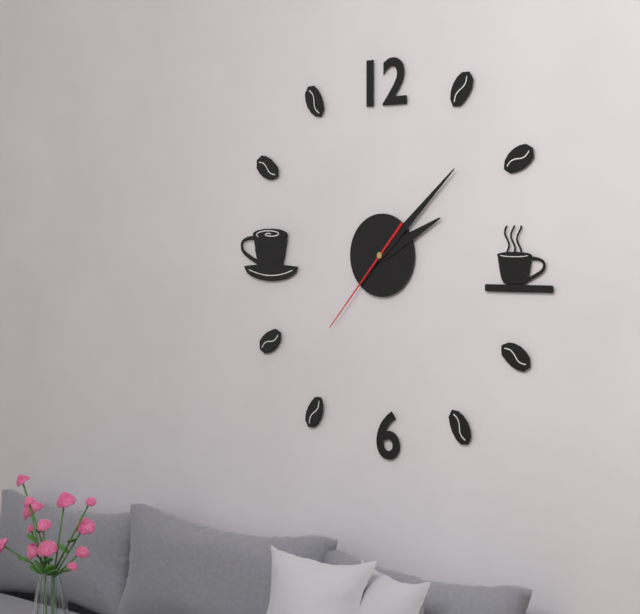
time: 2:08:37
